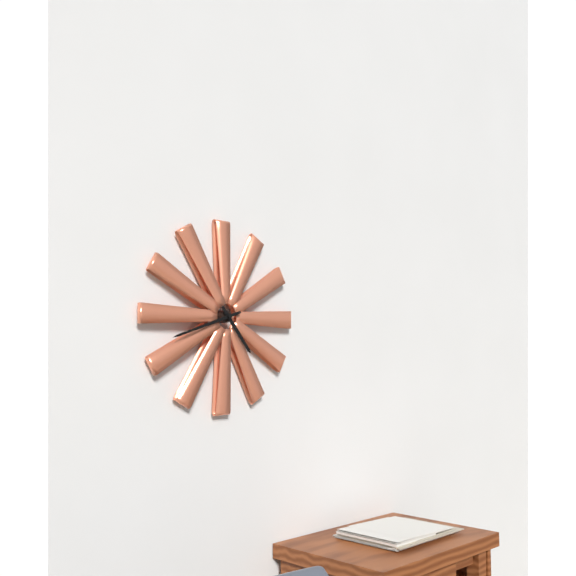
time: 4:42
